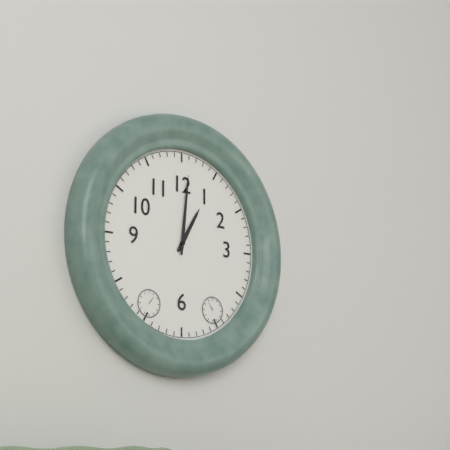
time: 1:01
